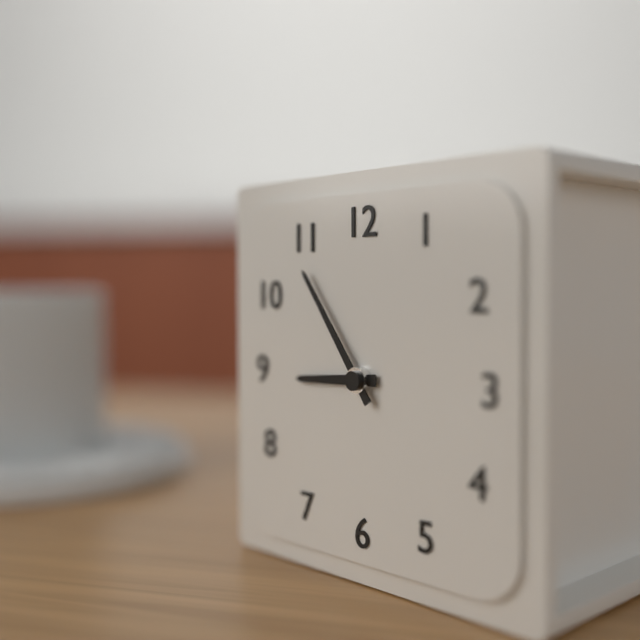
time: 8:54
